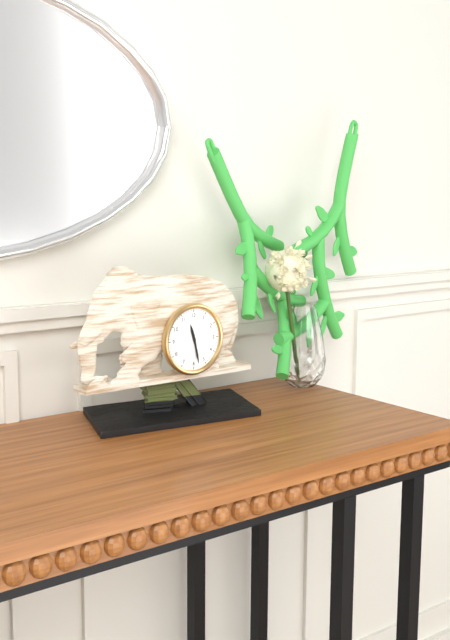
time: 11:28
